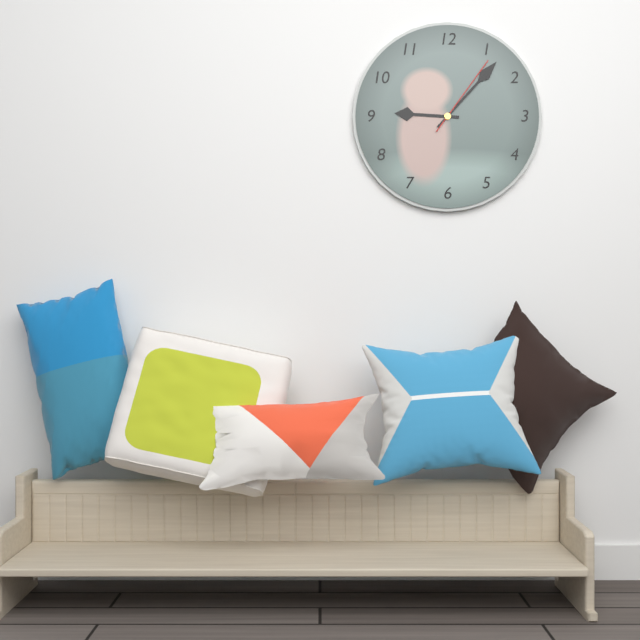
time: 9:07:06
